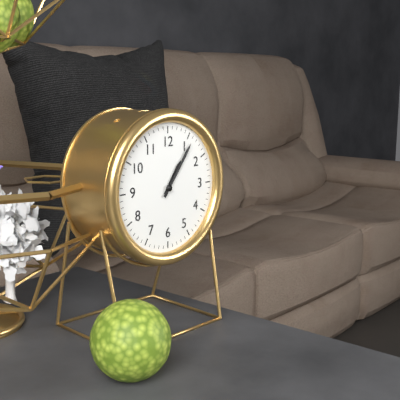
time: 1:06
